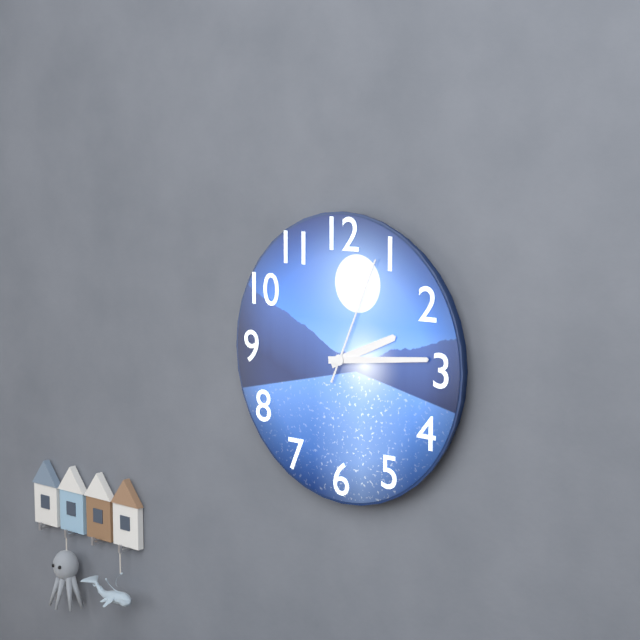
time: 2:14:04
